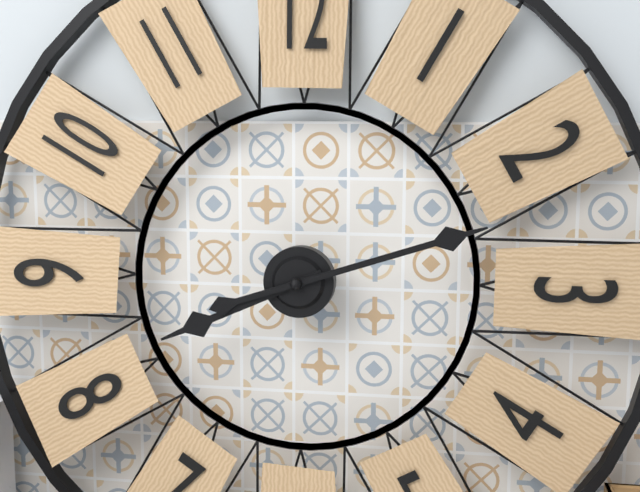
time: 8:12
